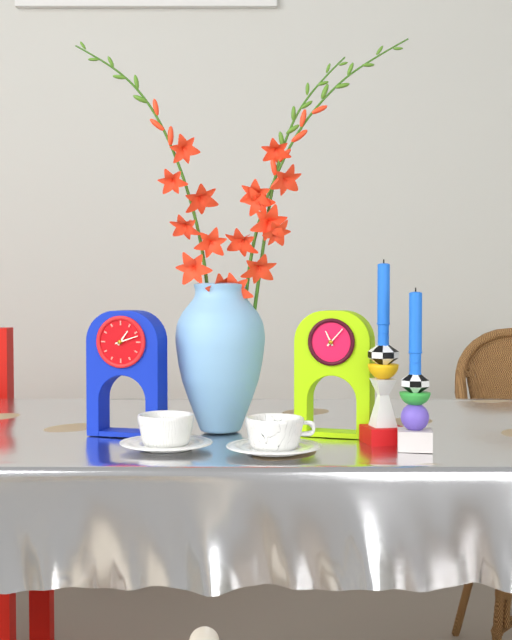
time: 1:12
